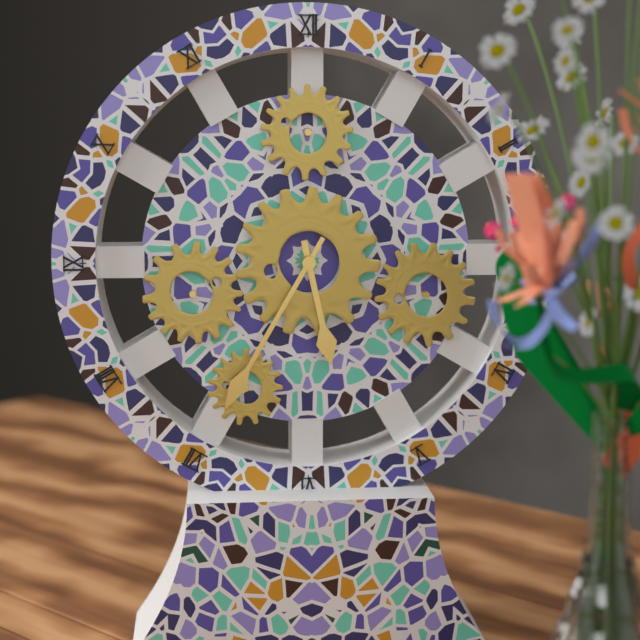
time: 5:35
